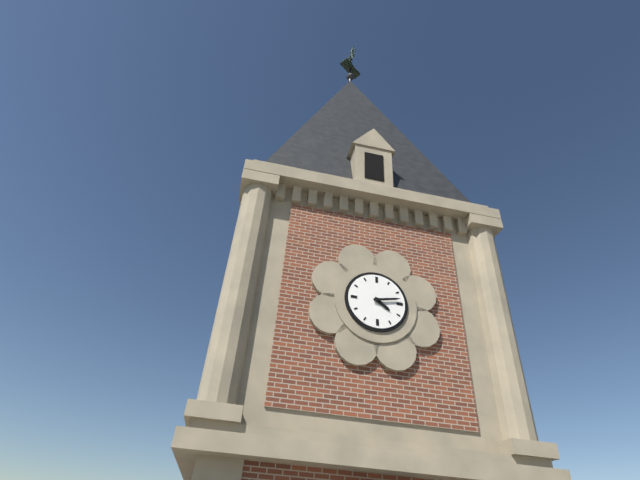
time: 4:13
